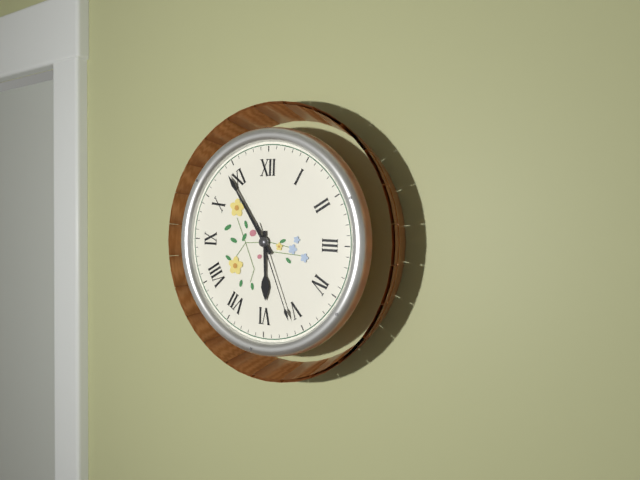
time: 5:54:26
